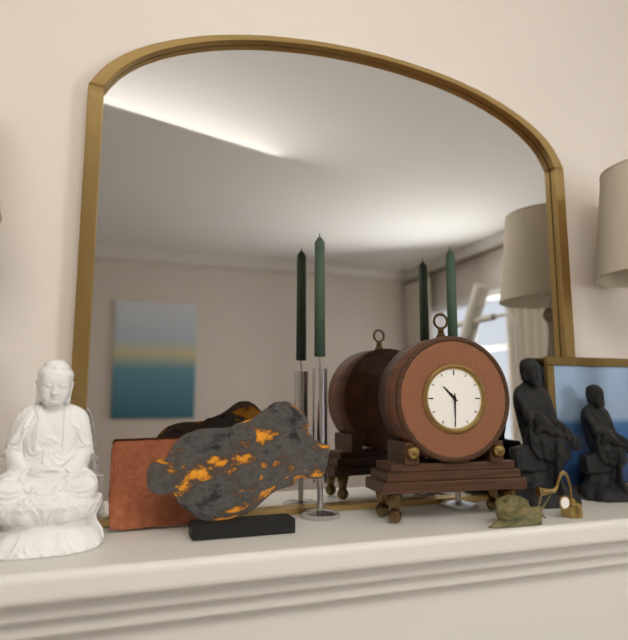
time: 10:30
